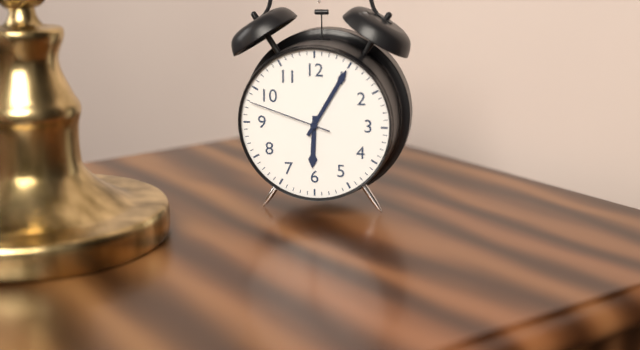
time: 6:05:48
